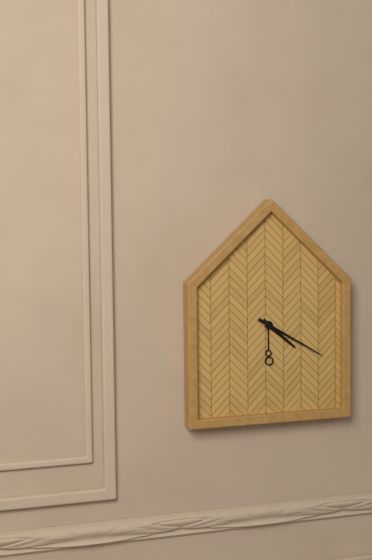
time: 4:20
